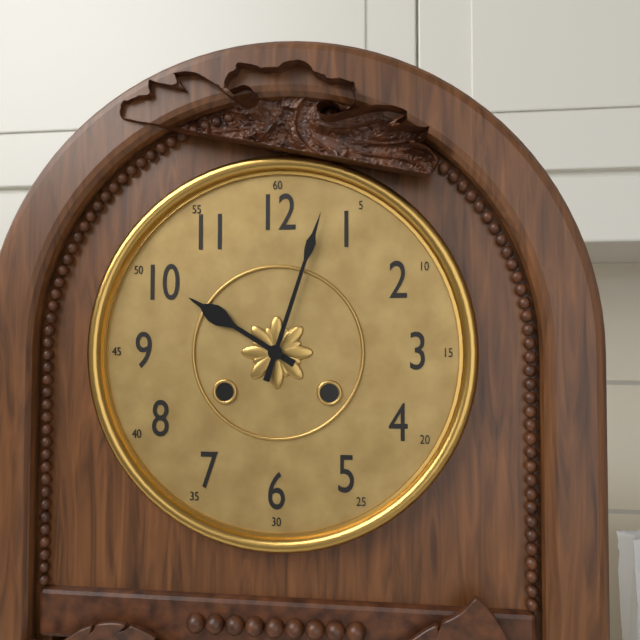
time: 10:03
